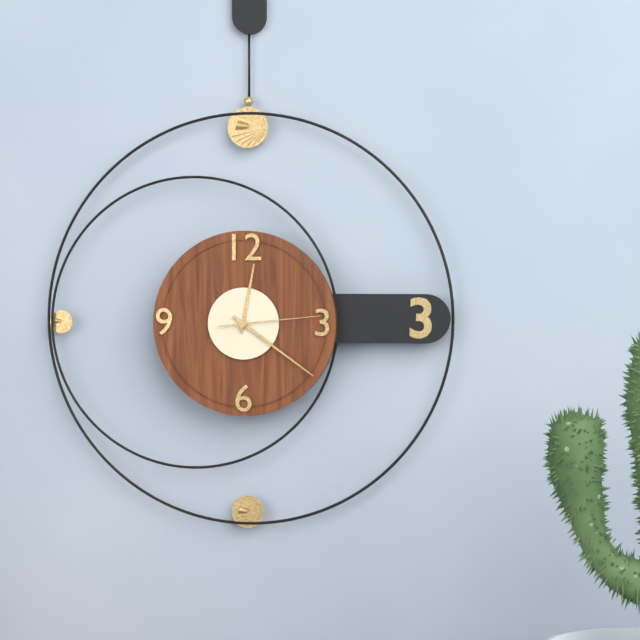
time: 12:21:14
